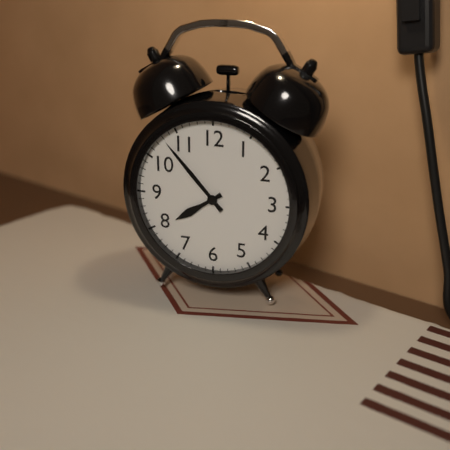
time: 7:53
